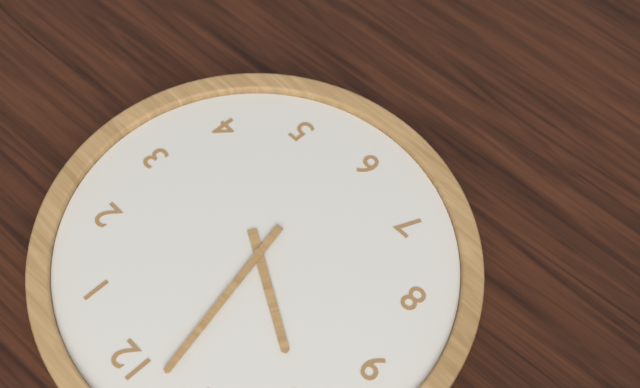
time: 9:58
